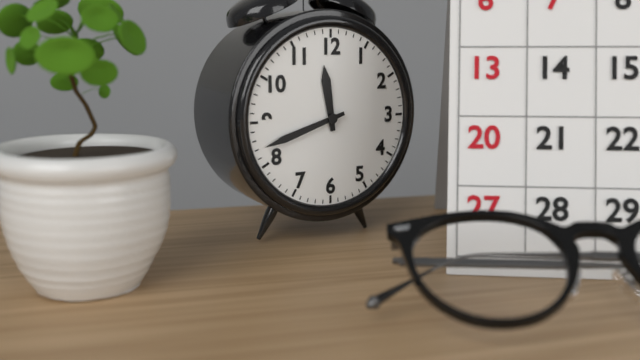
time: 11:42
